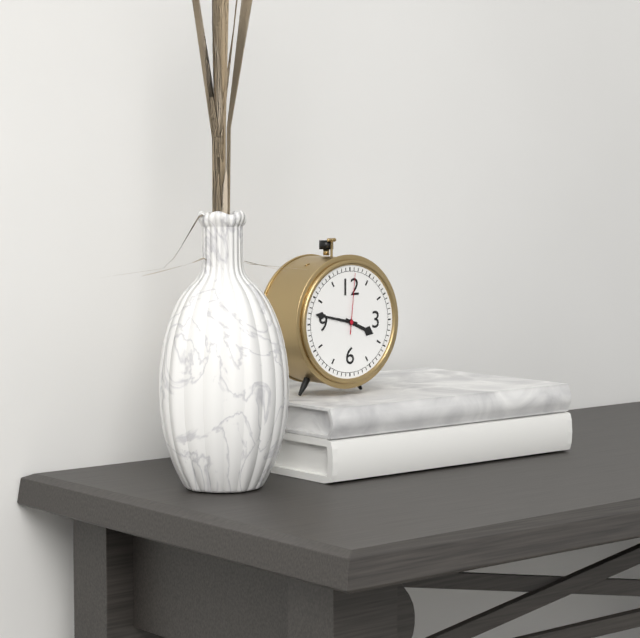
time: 3:47:01
